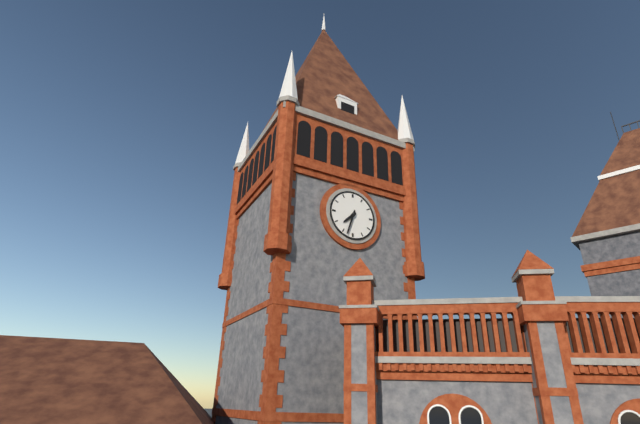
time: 7:33
